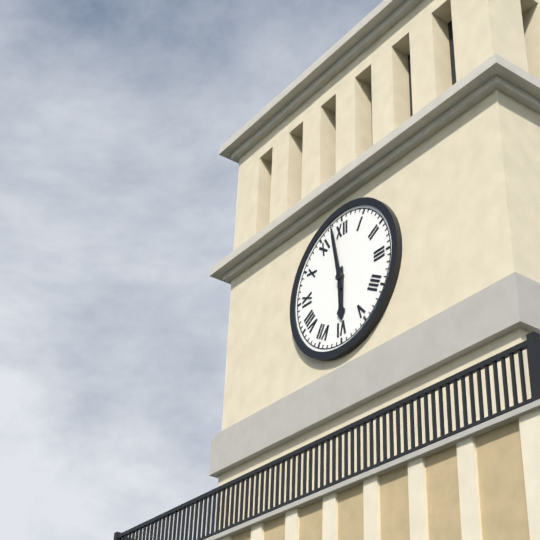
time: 5:58
